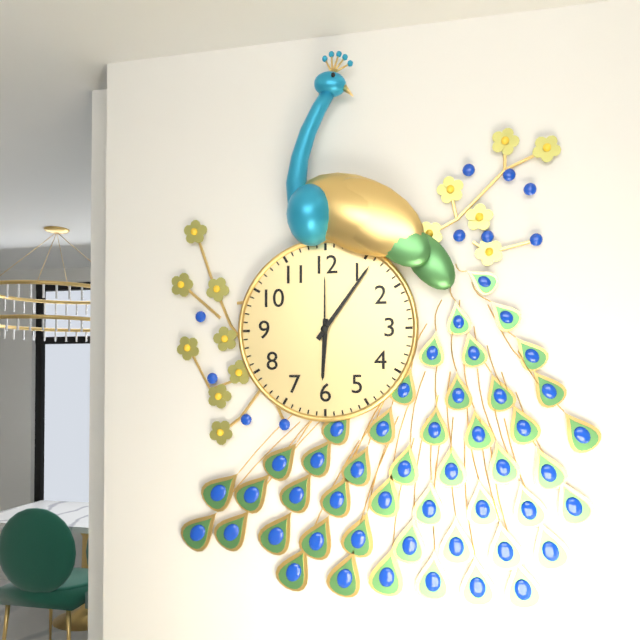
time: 6:06:00
